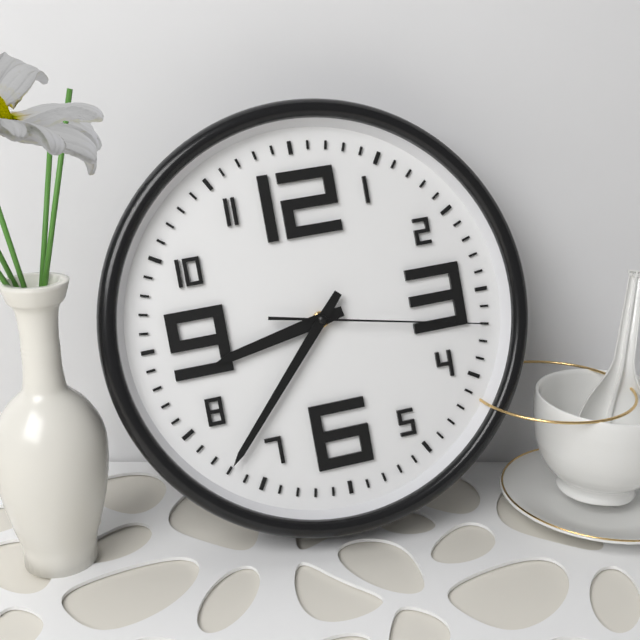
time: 8:37:17
